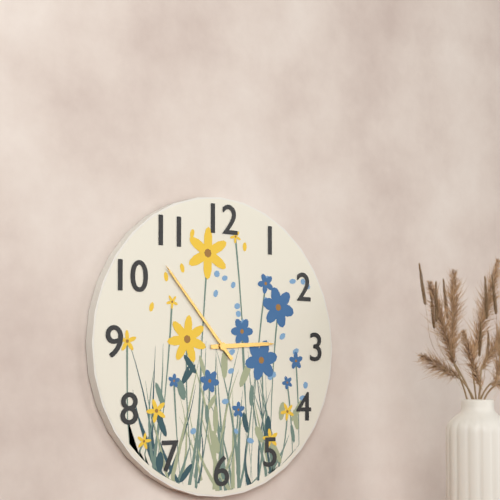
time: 2:53
